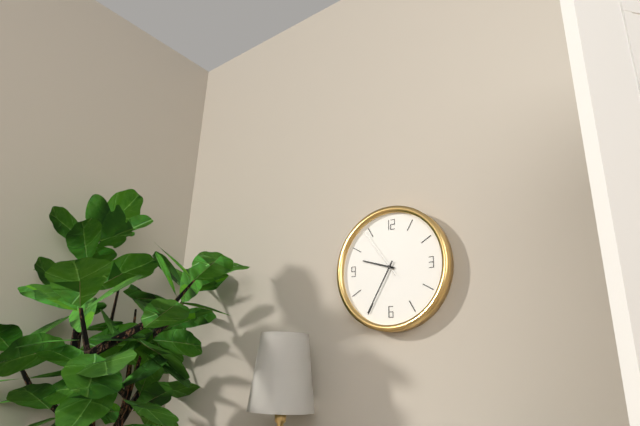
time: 9:35:54
